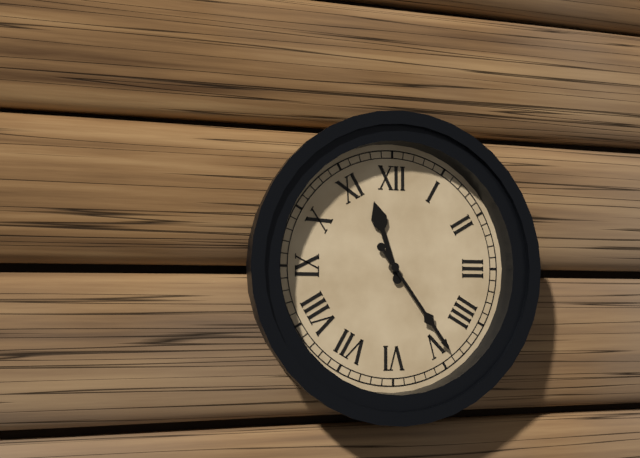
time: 11:24
